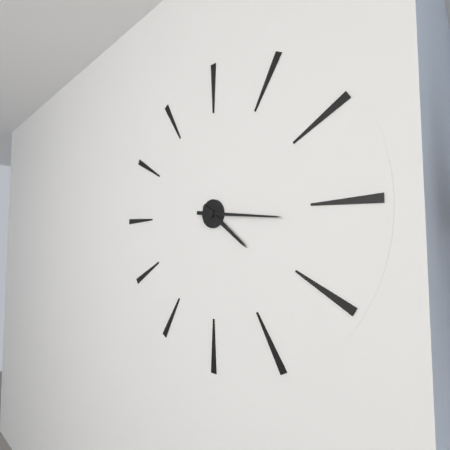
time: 4:16
